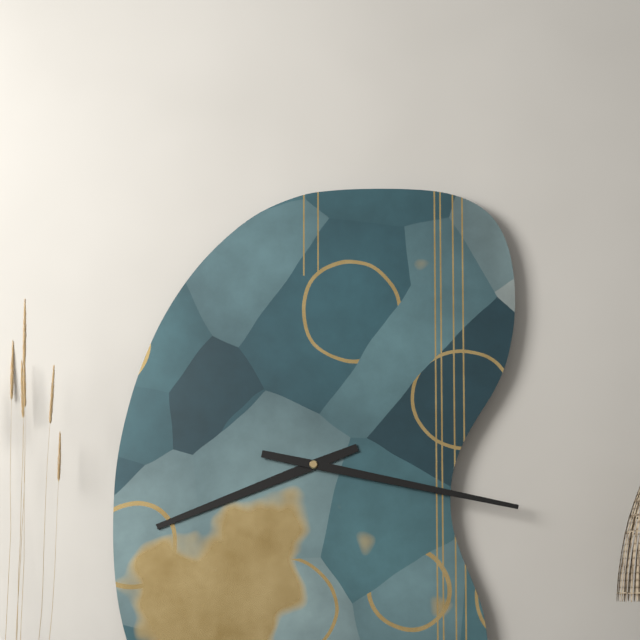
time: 8:17
